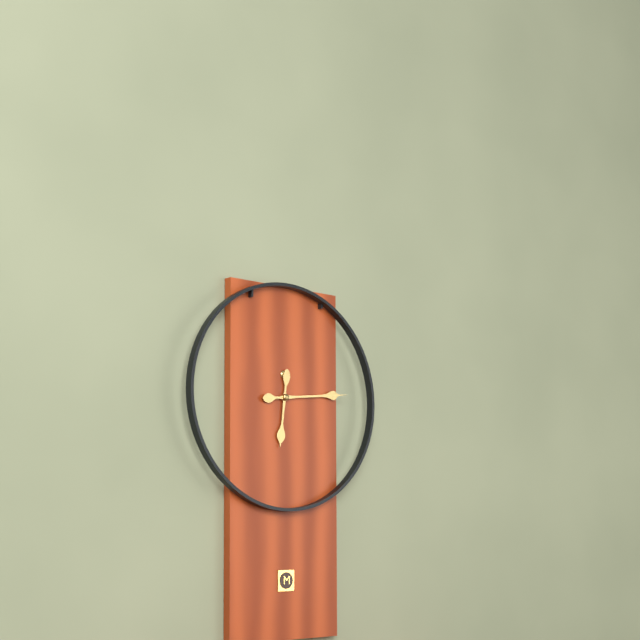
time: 6:14
